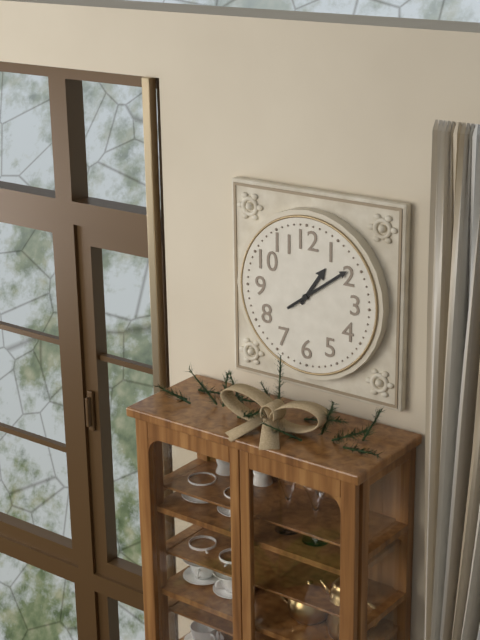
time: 1:09
